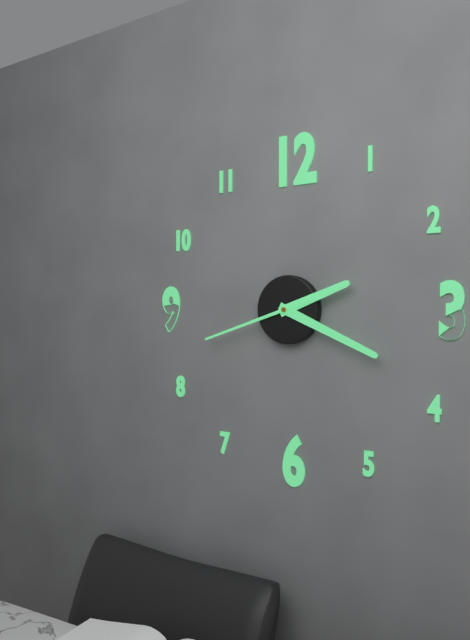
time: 2:19:42
